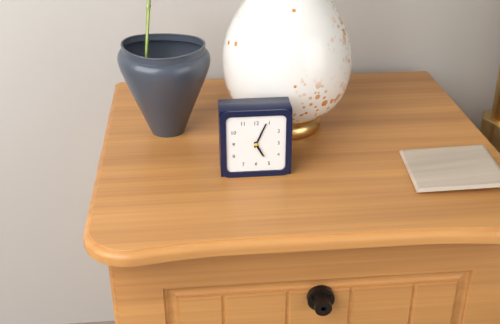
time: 5:04
